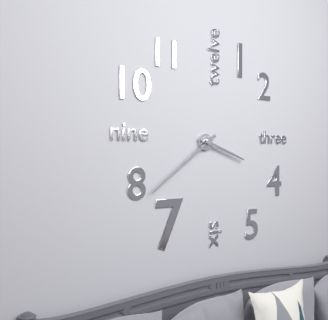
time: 3:39
